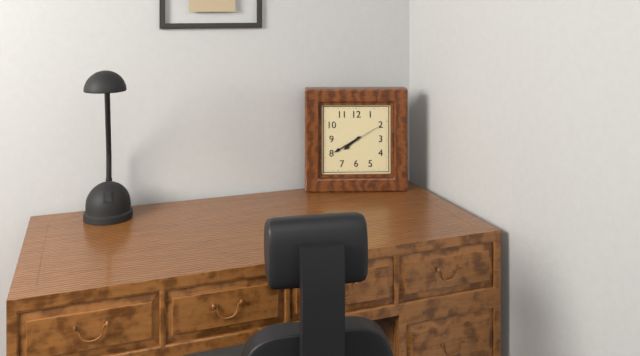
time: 7:40
